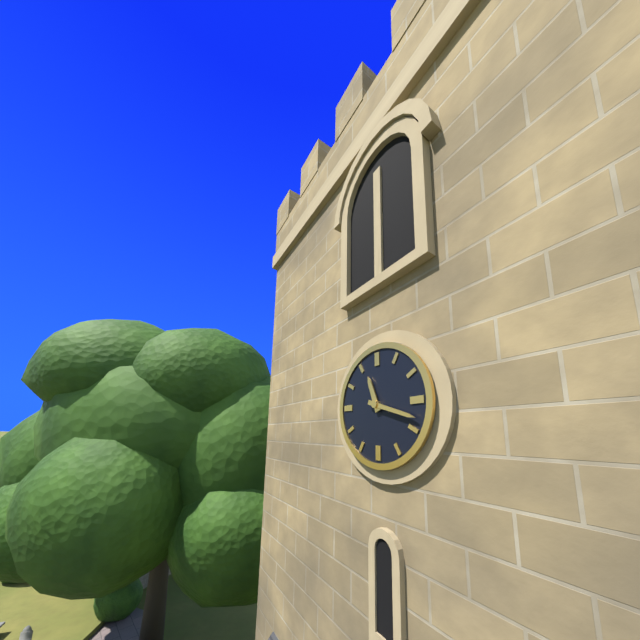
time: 11:18
